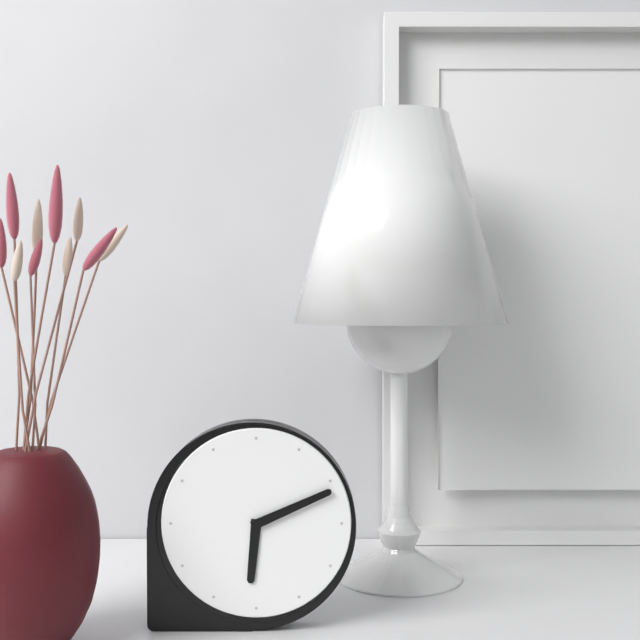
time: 6:11
